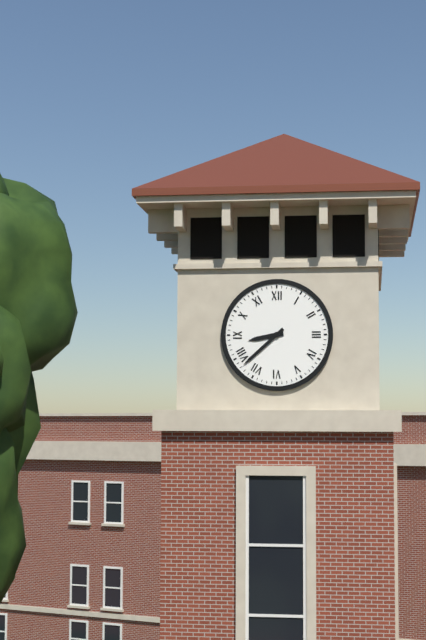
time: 8:38
